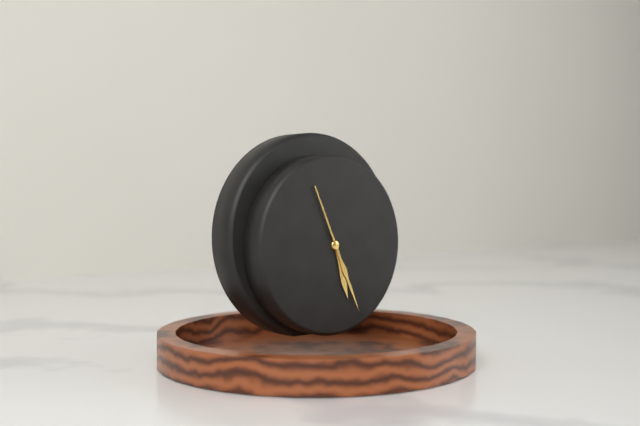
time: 5:26
